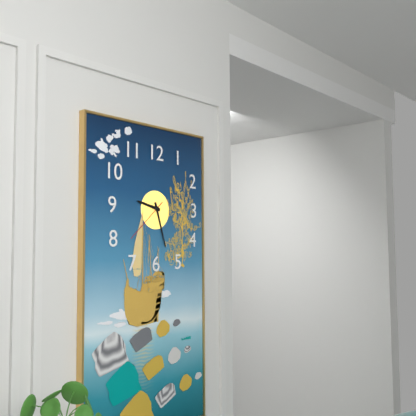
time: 9:27:38
